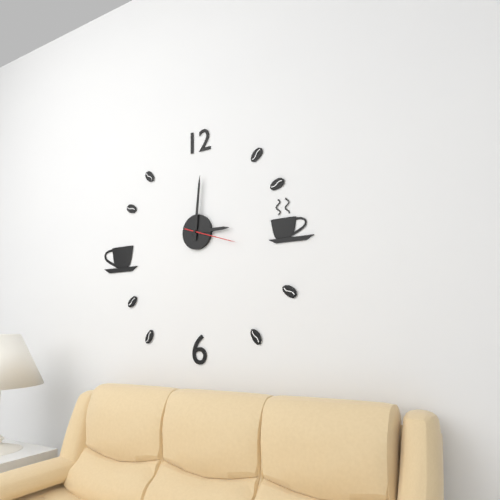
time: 3:01:18
